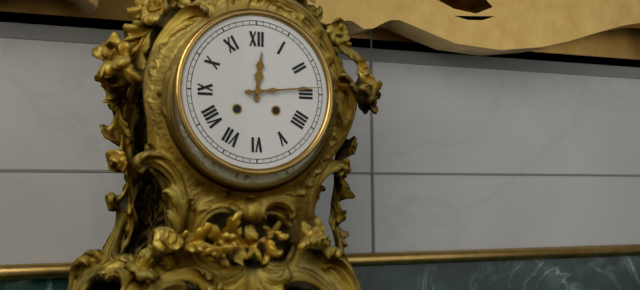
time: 12:14
